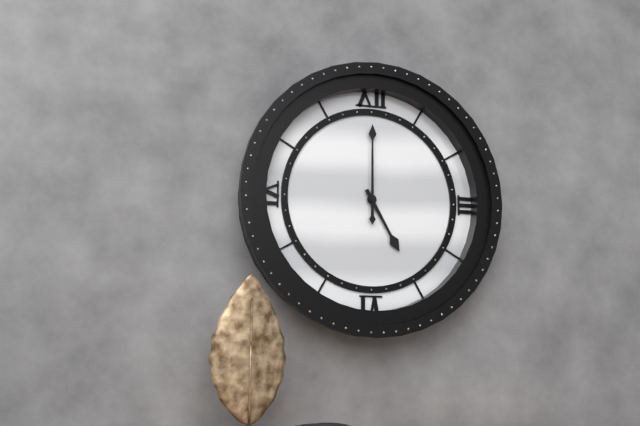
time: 5:00
